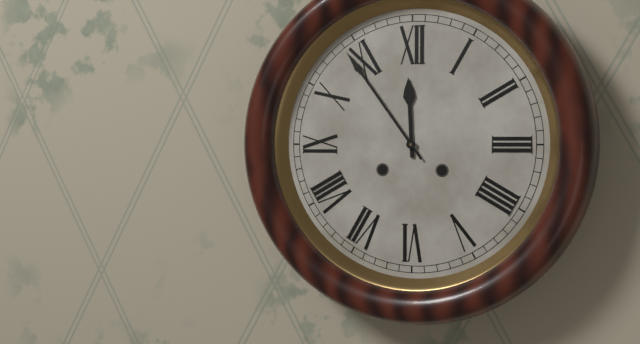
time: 11:54
